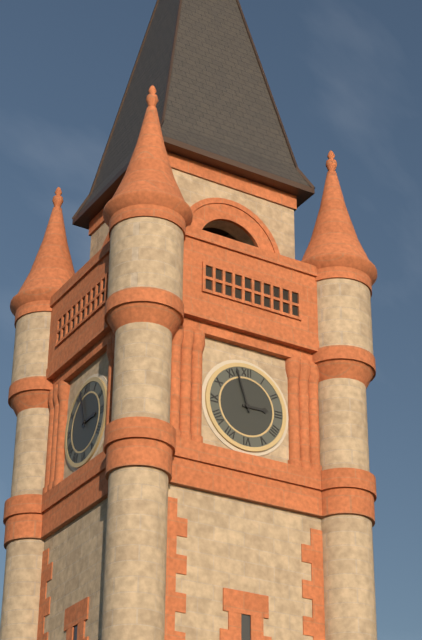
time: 2:57
